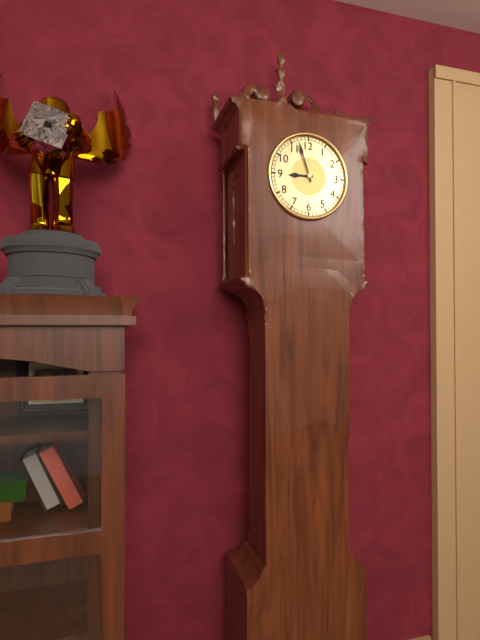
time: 8:57
